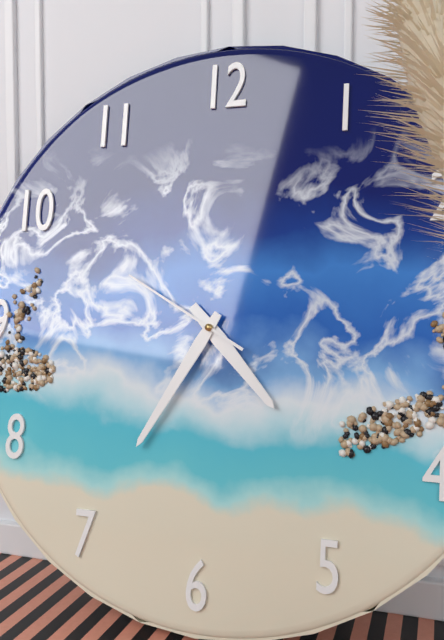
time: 4:35:50
